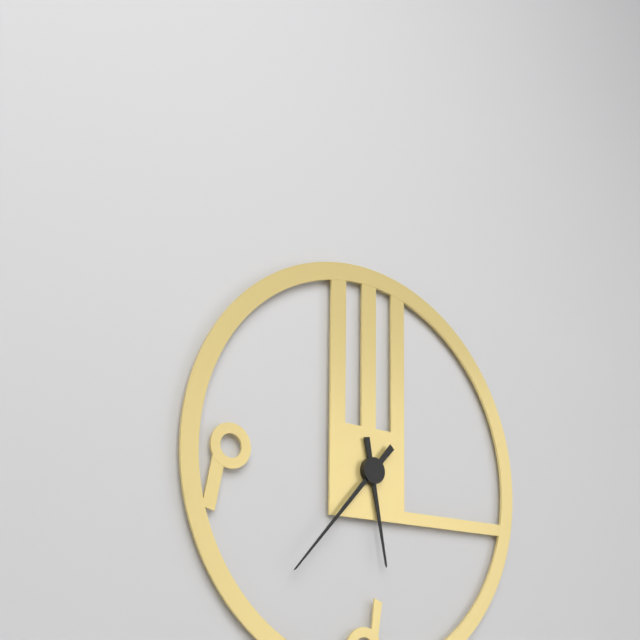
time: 5:37
